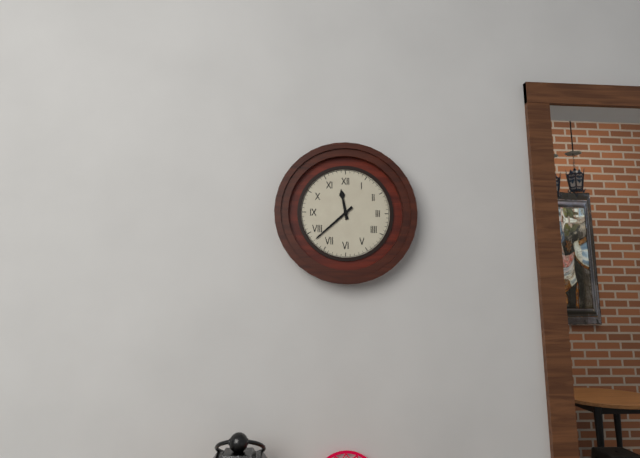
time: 11:38
